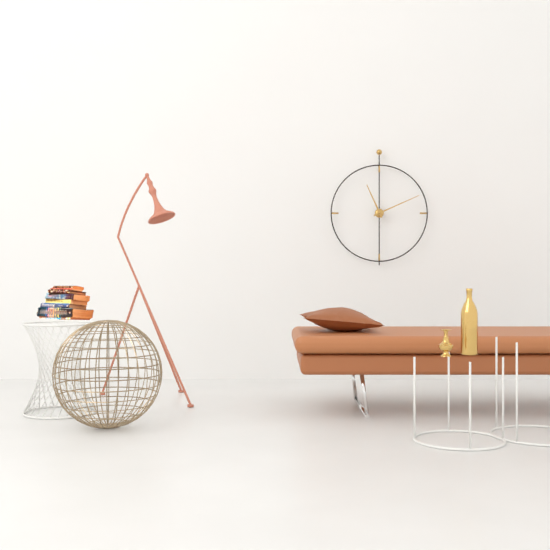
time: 11:11
